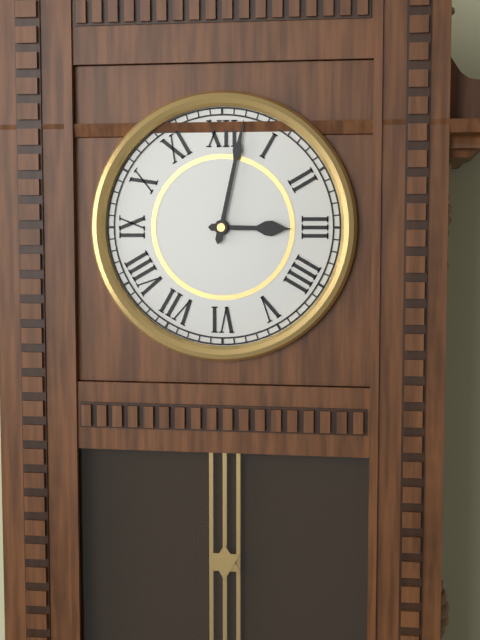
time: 3:02
